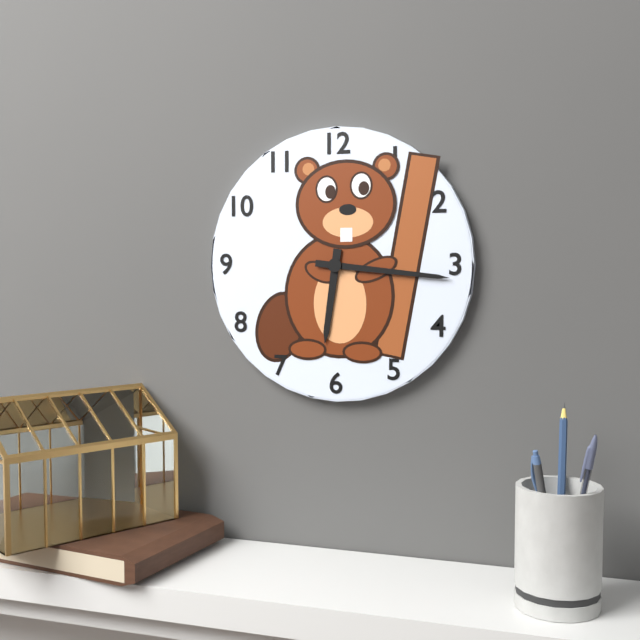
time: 6:16
